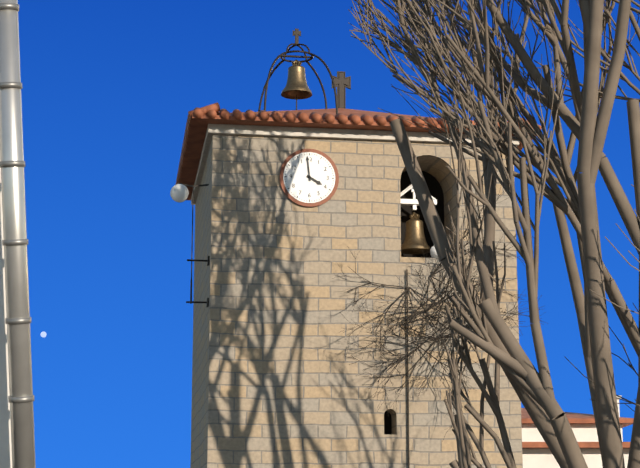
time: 3:59
